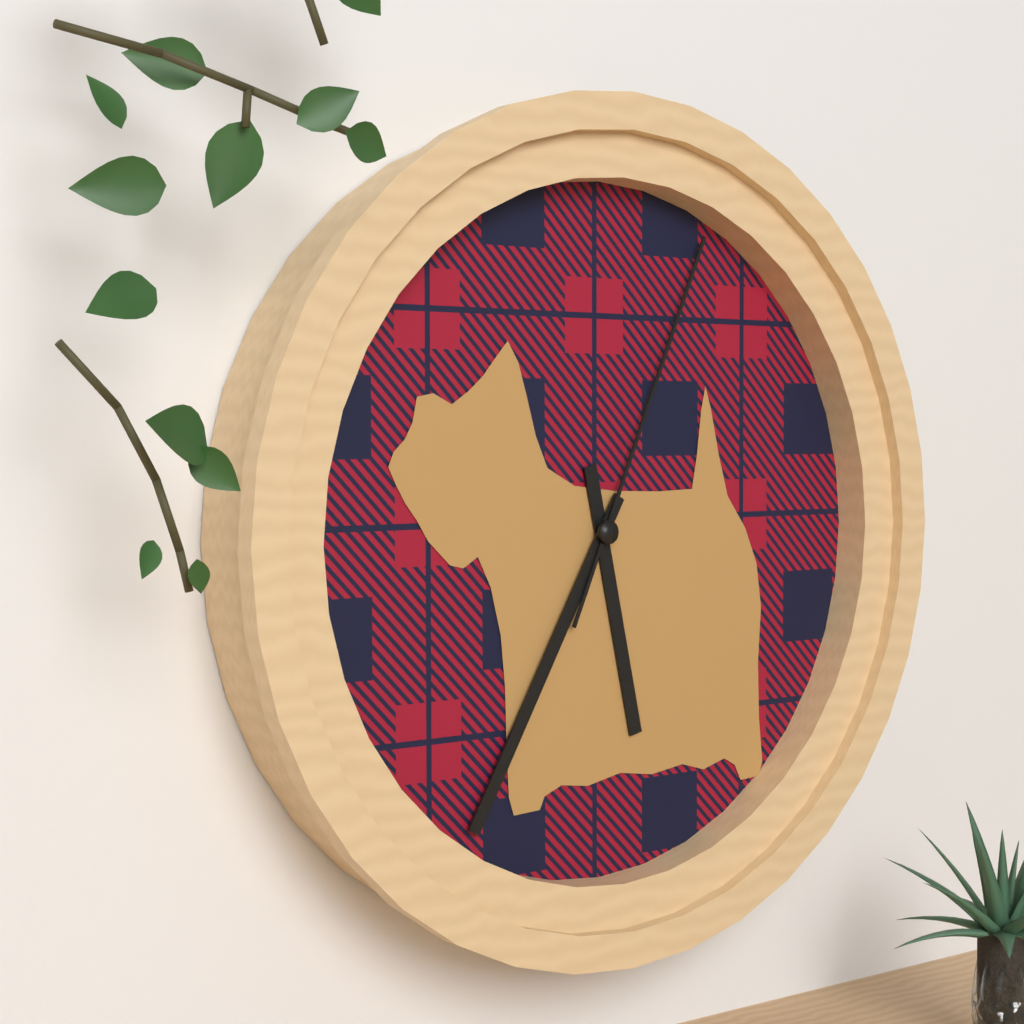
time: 5:35:04
